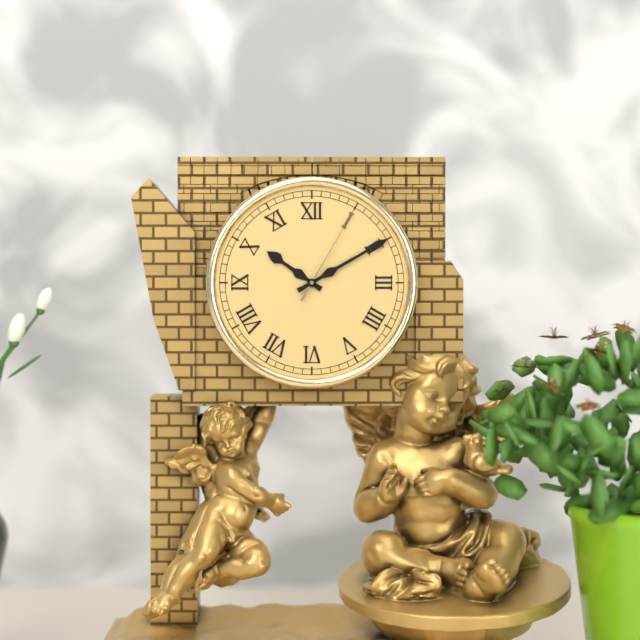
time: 10:10:05
